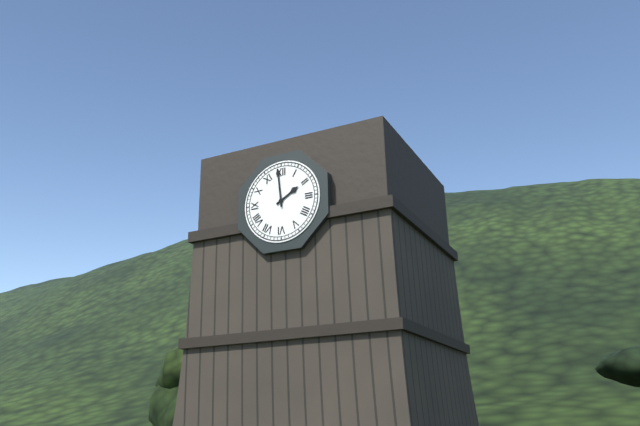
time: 1:59
